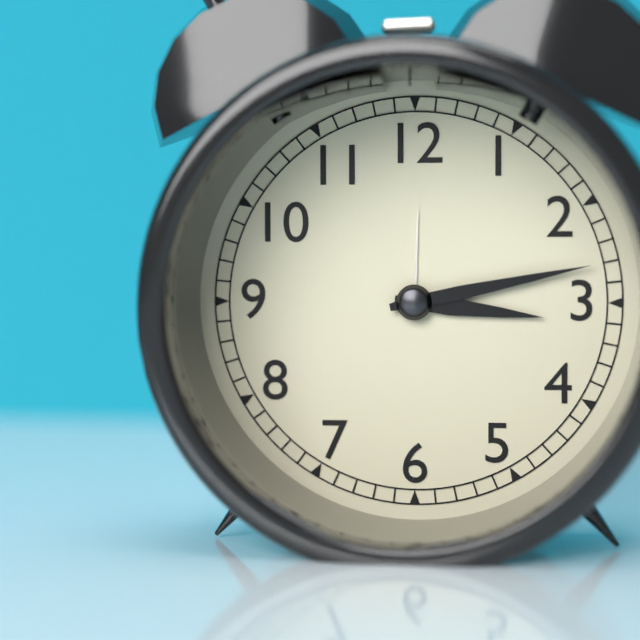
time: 3:13
